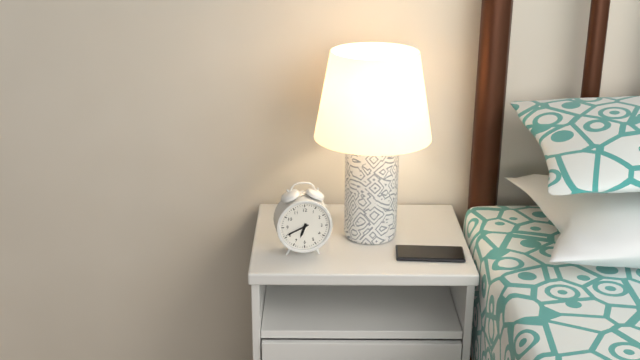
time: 6:41
